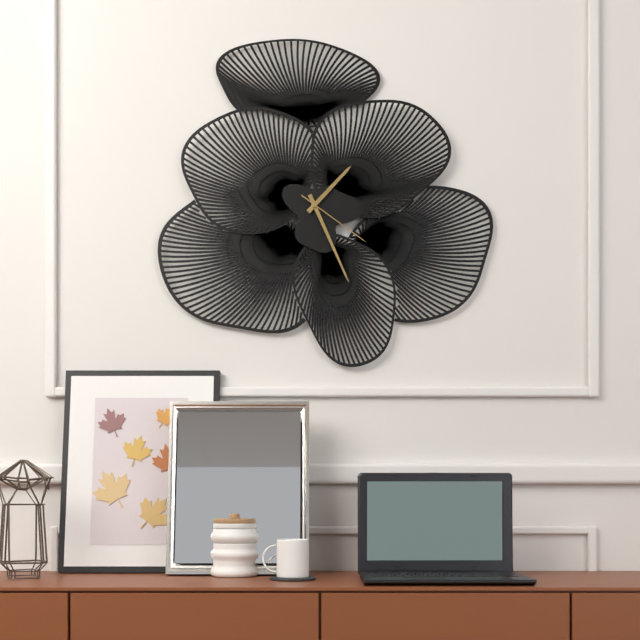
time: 1:26:21
